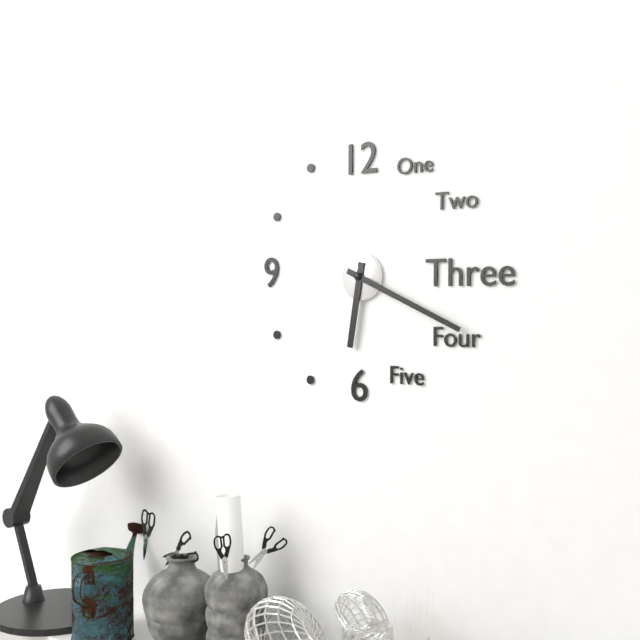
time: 6:19
